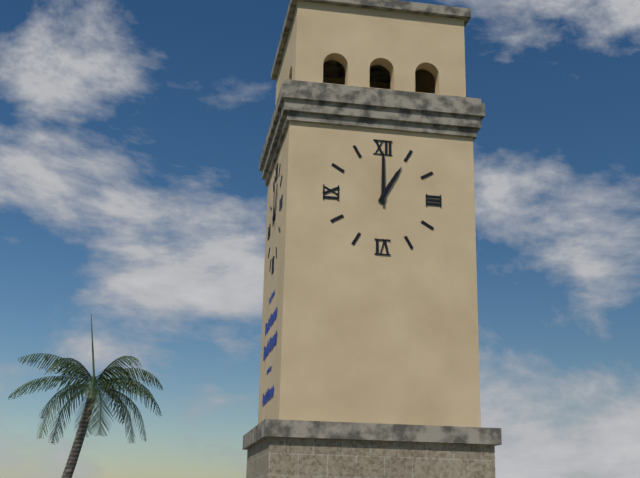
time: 1:00
